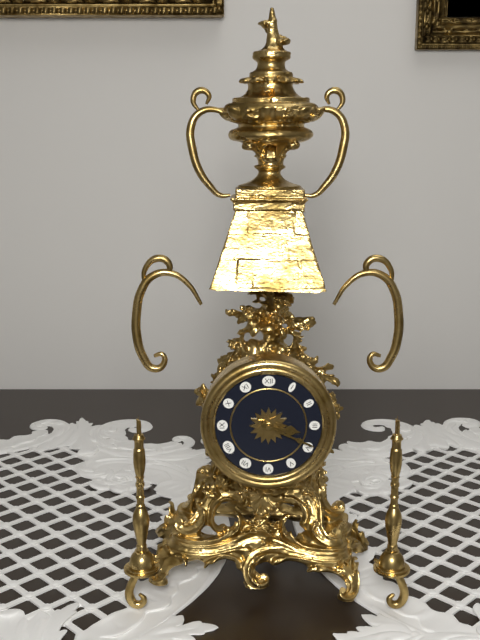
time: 3:19
